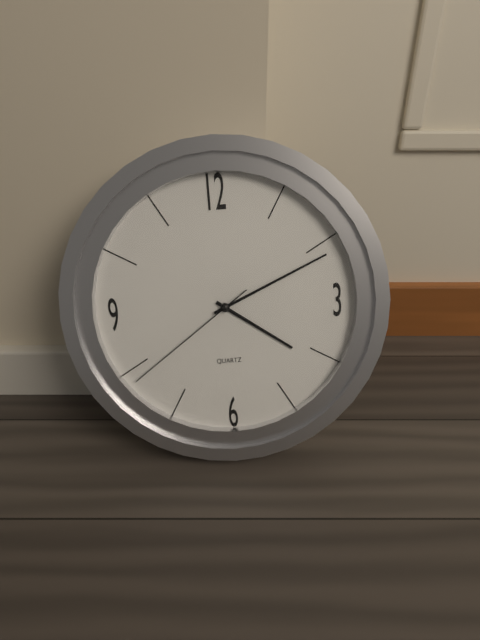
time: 4:11:39
